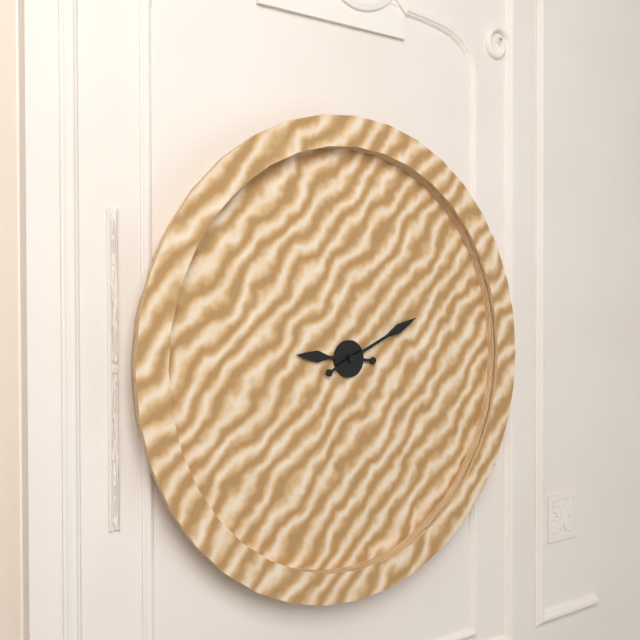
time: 9:11
